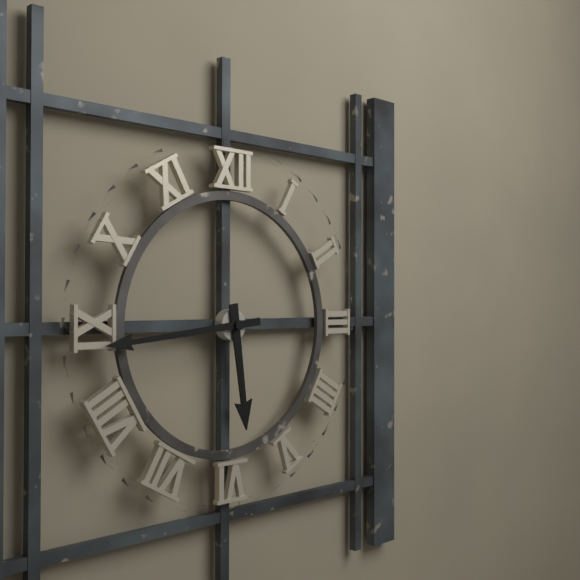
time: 5:44
